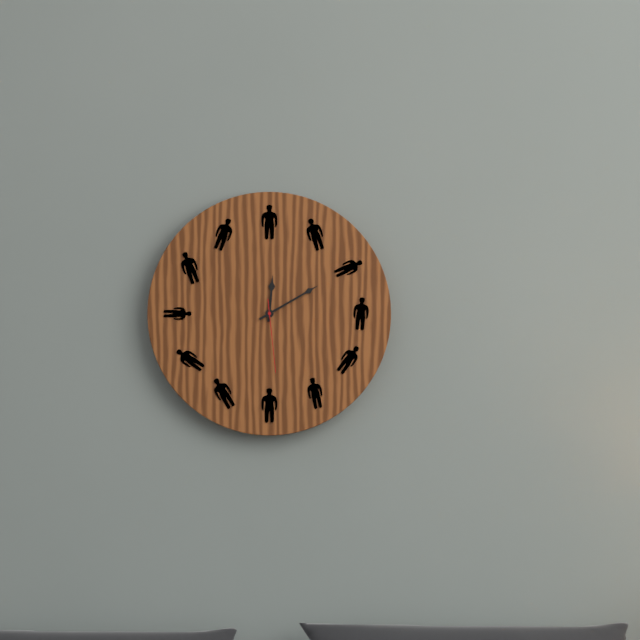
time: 12:10:29
